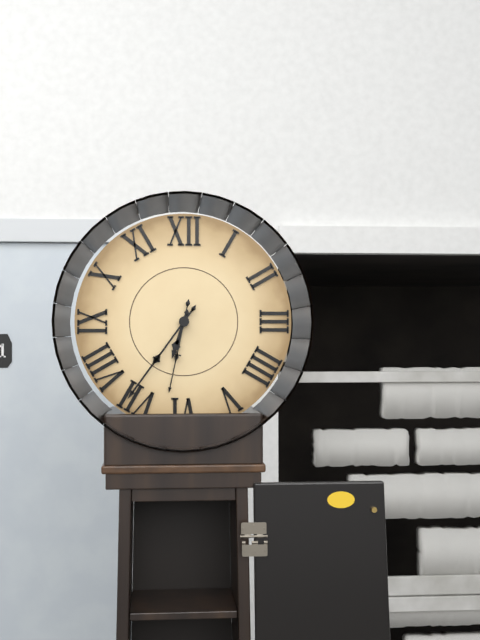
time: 6:36:32
